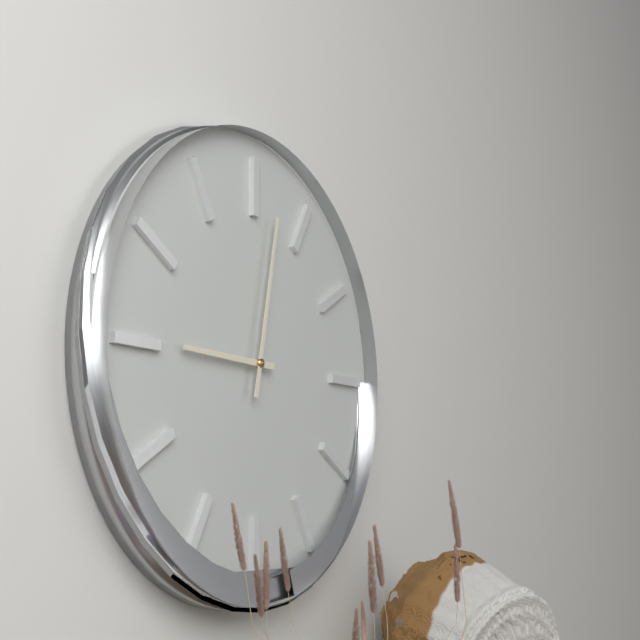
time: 9:02
